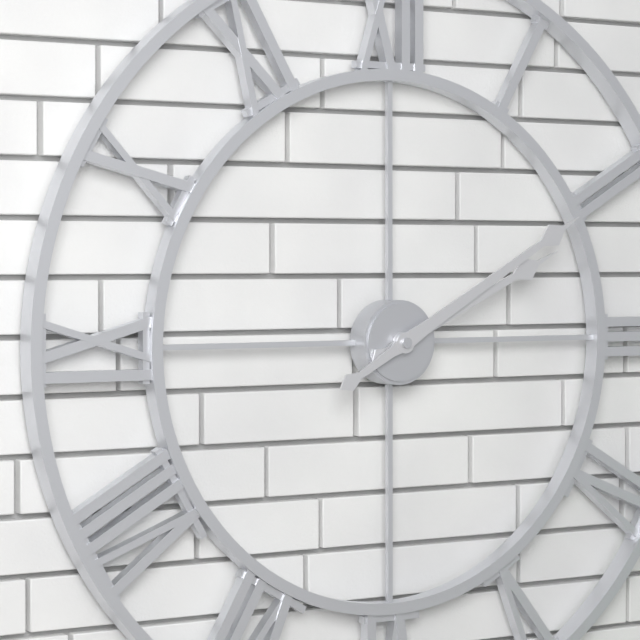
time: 2:10
